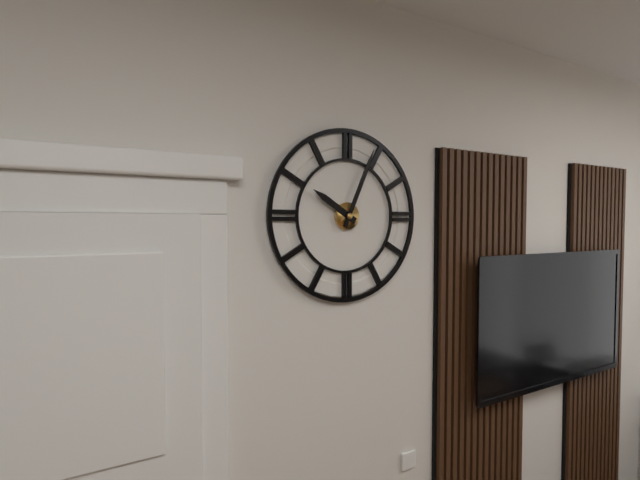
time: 10:04
